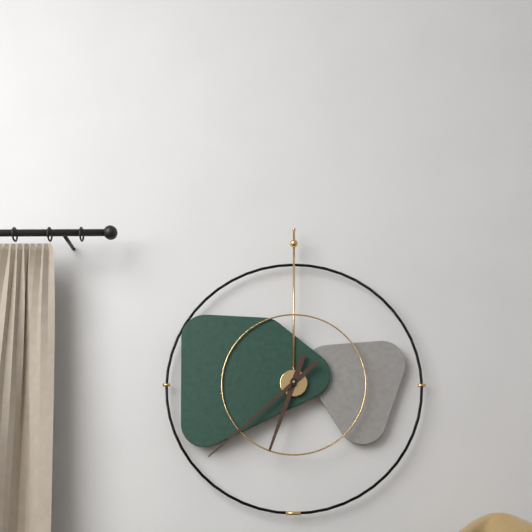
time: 6:38
